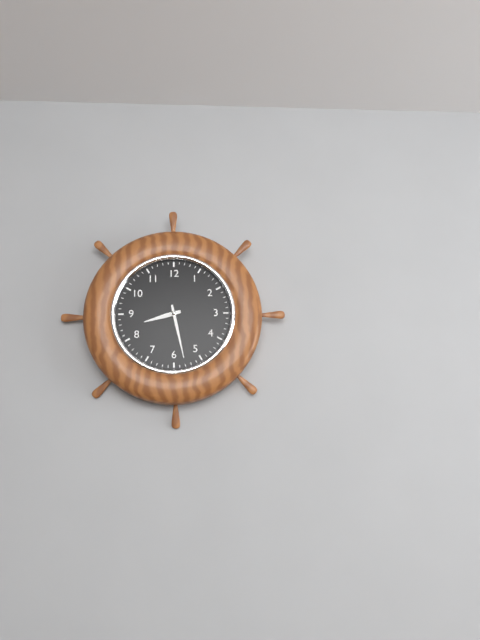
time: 8:28
